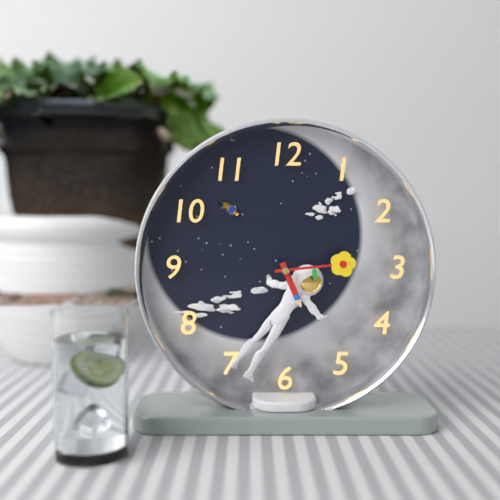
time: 5:14
